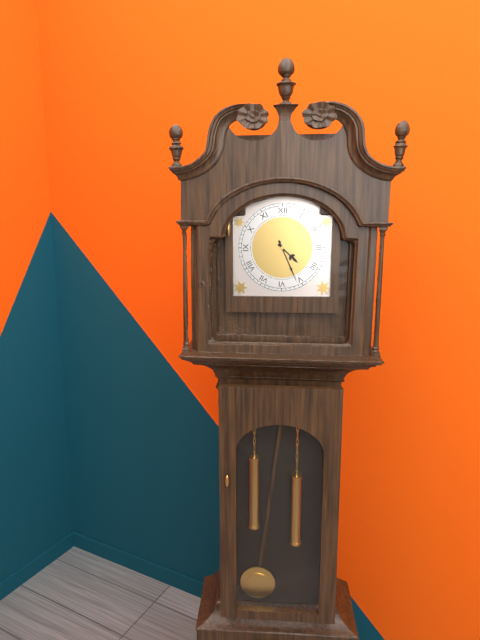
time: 4:26
